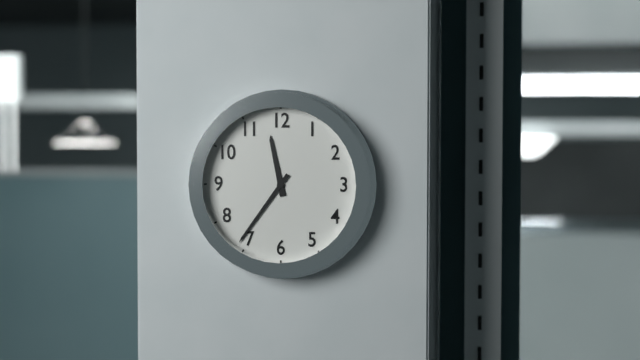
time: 11:36
